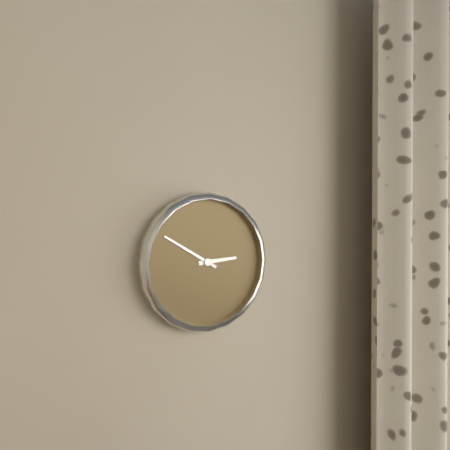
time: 2:50
